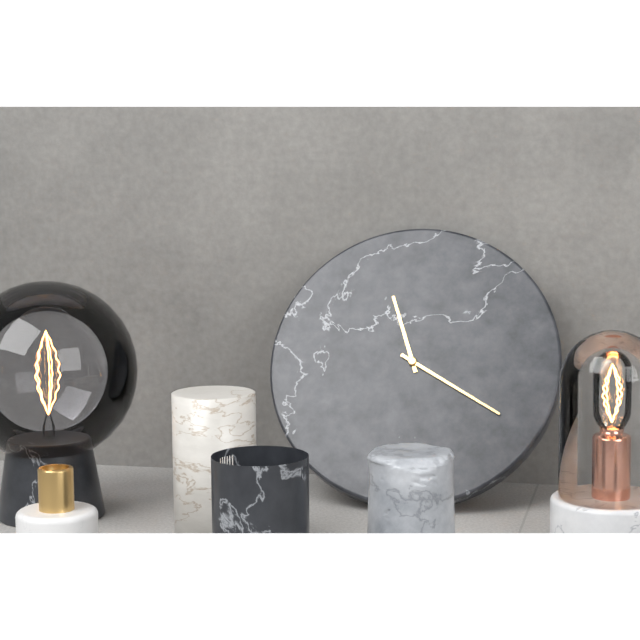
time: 11:20
